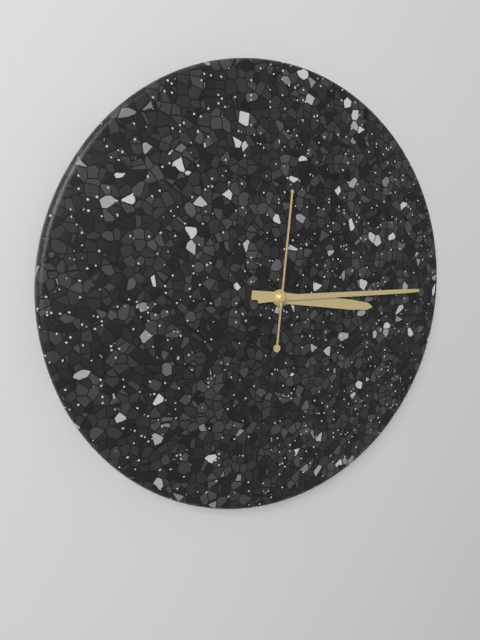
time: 3:15:01
